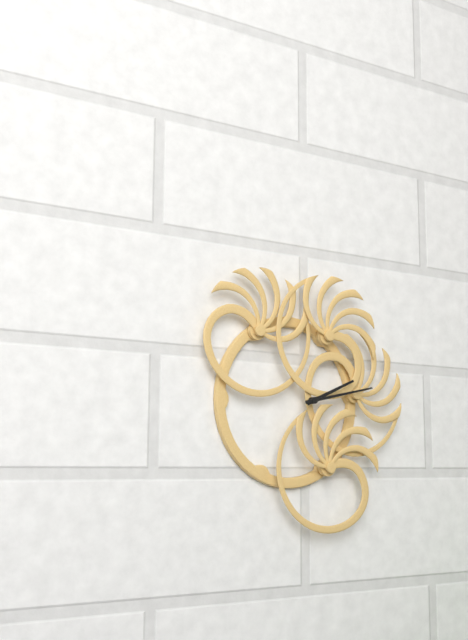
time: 2:13
